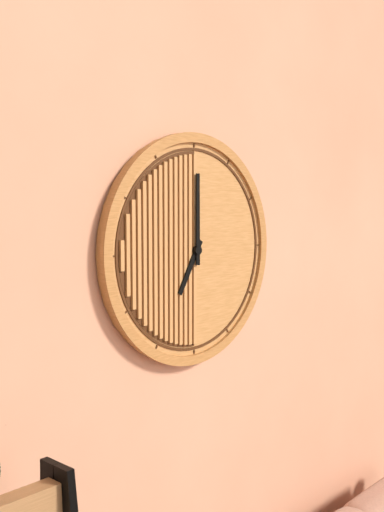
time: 7:00
